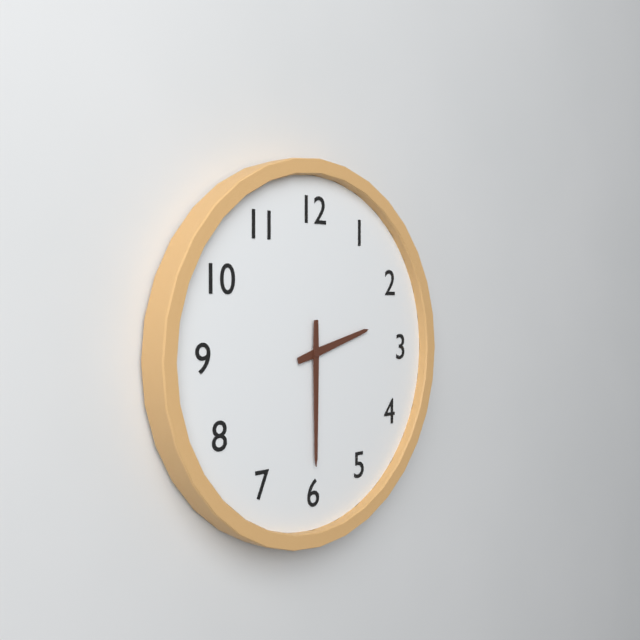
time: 2:30
